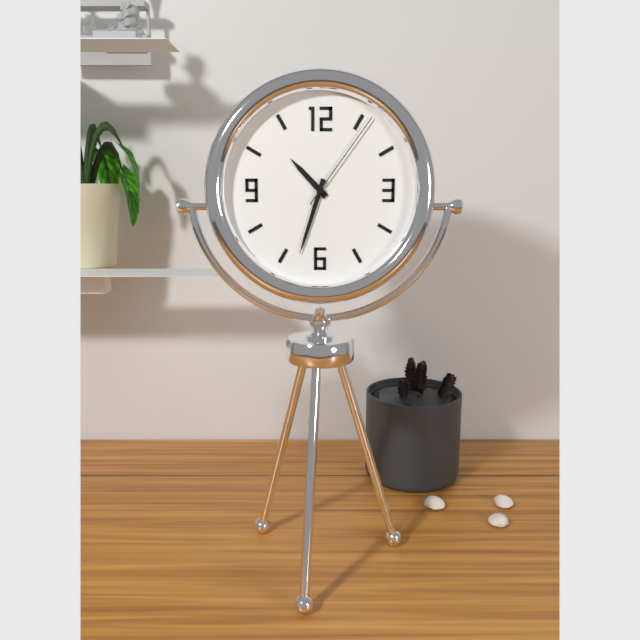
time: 10:33:06
